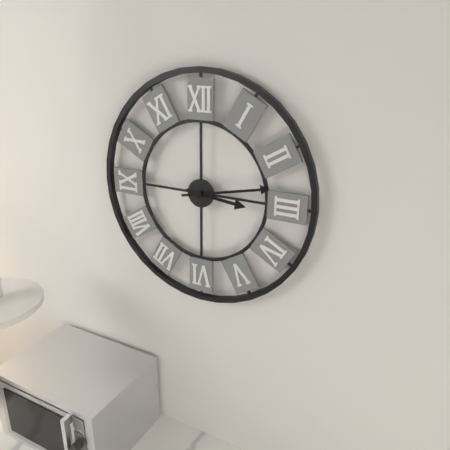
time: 3:13
